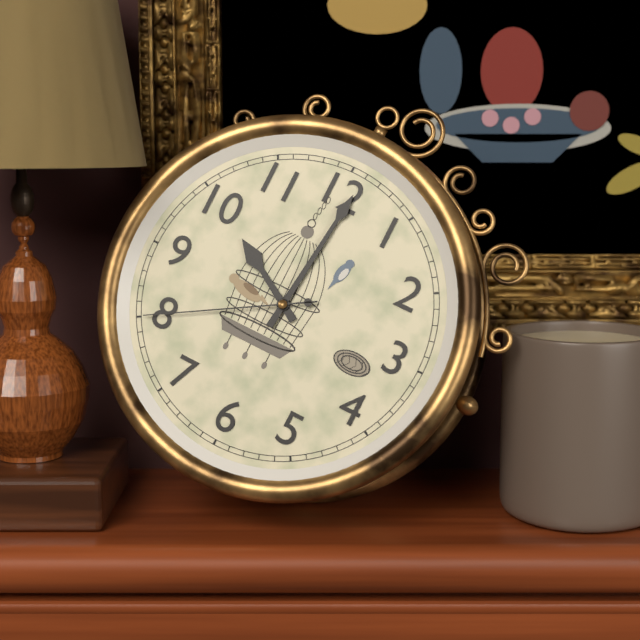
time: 10:01:40
